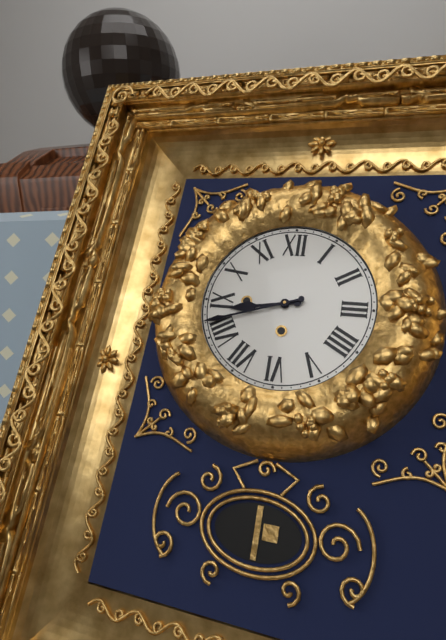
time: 8:42
